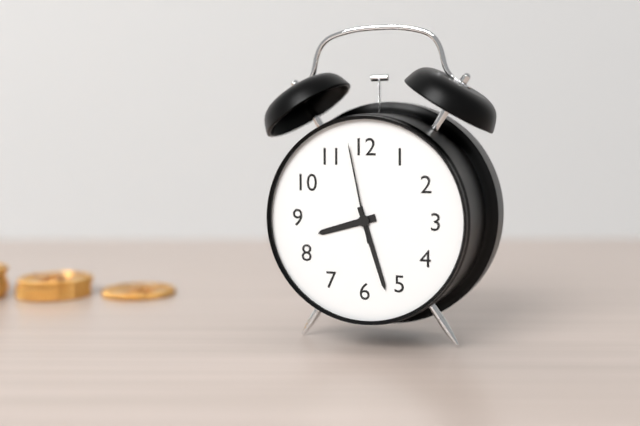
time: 8:27:58
